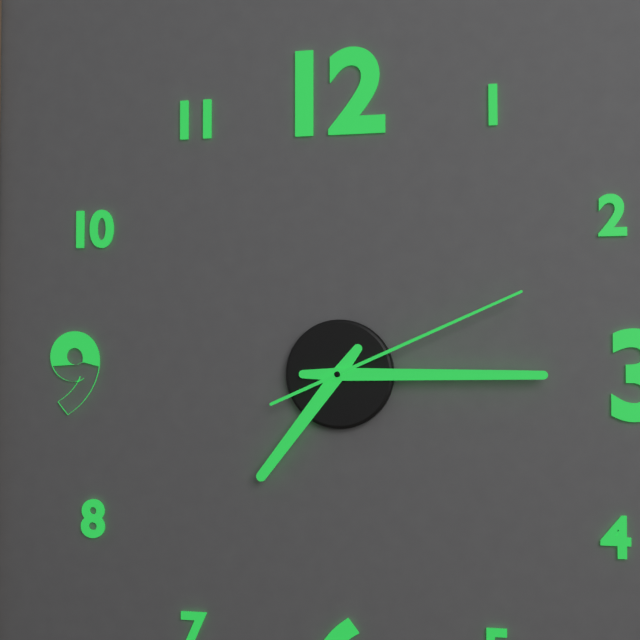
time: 7:15:11
